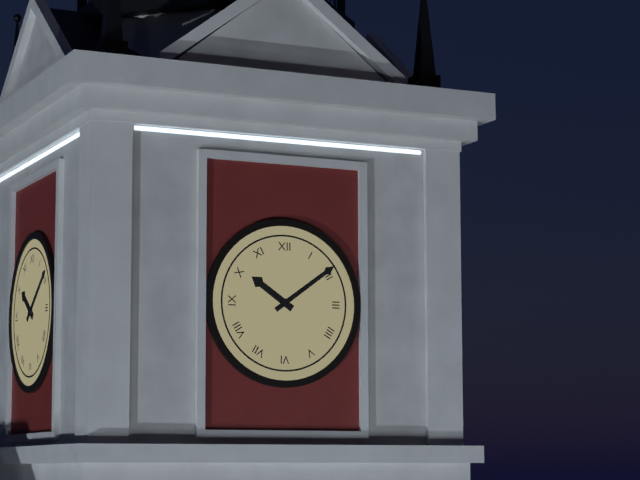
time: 10:09
